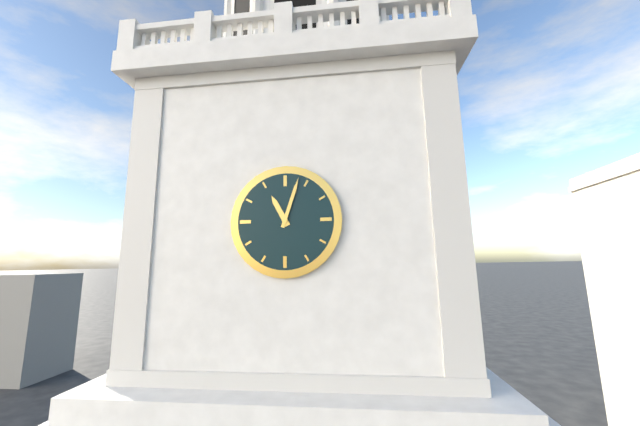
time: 11:03
